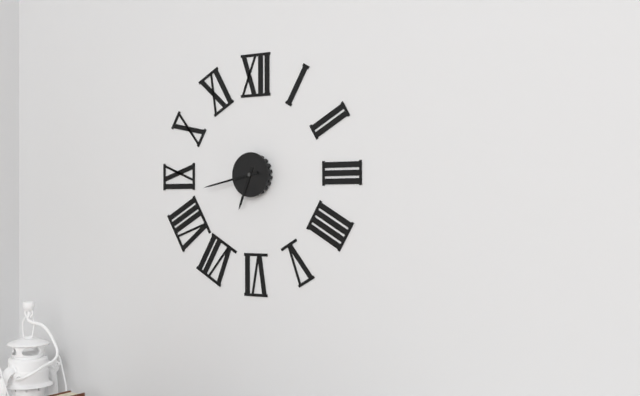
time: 6:43
